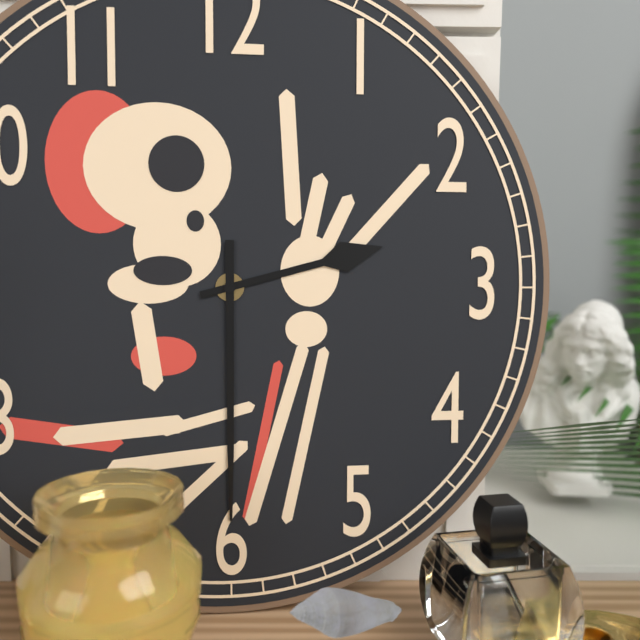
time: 2:30
